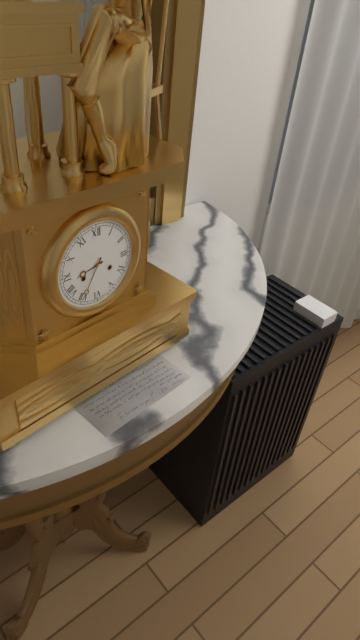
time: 8:35
